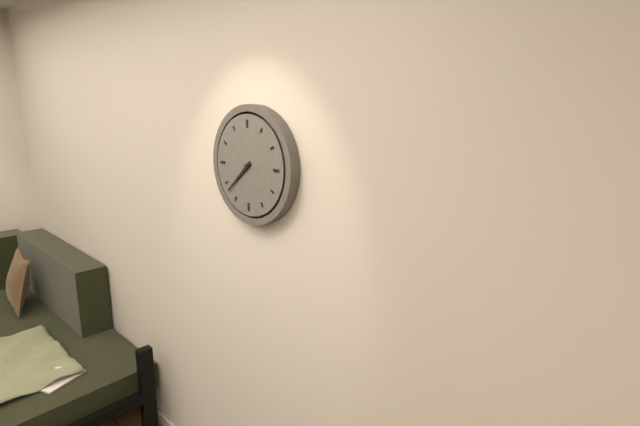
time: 7:38
